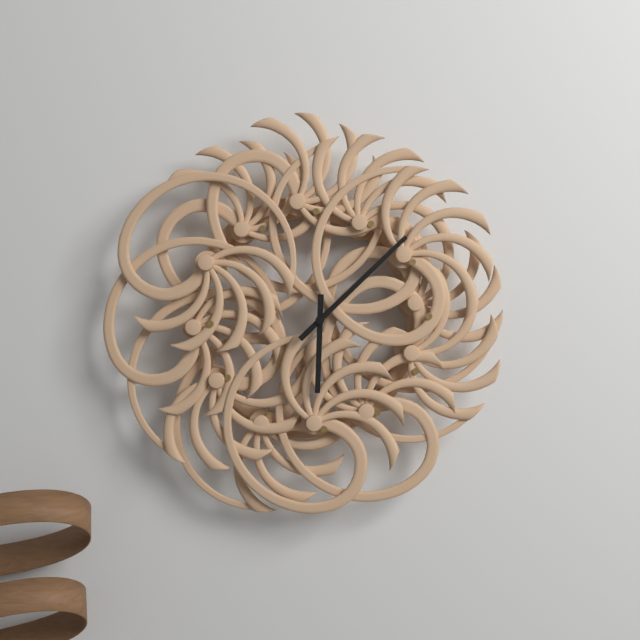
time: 6:08
